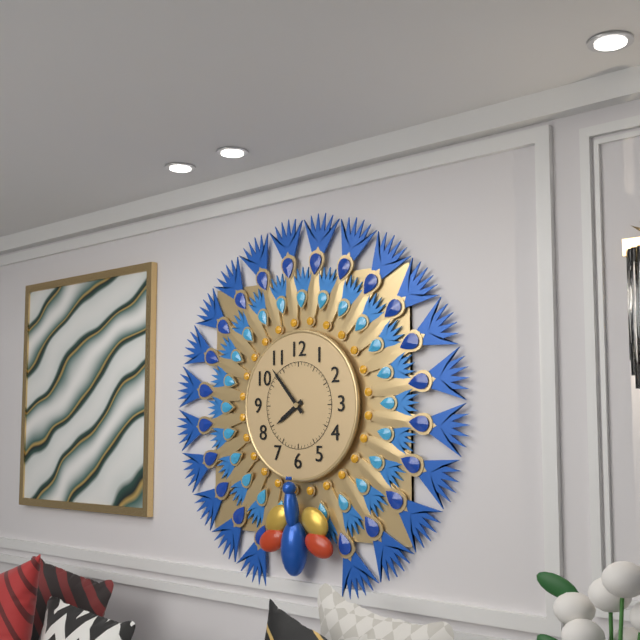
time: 7:53
